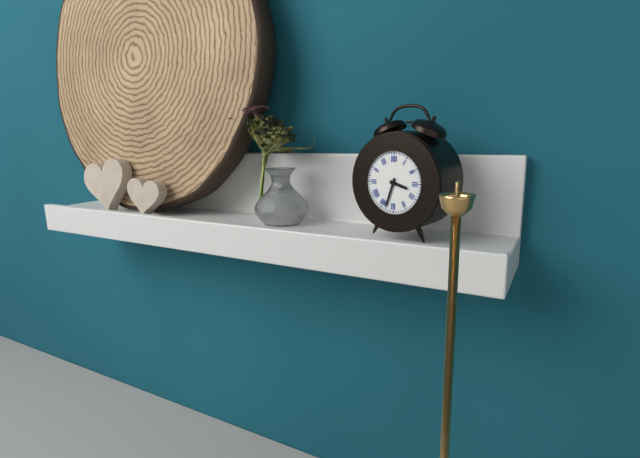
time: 3:33
